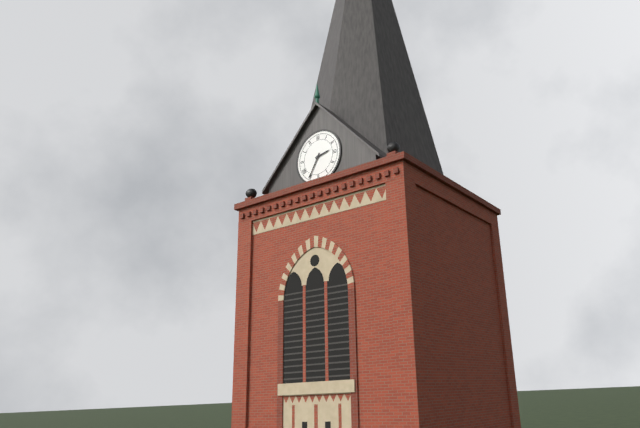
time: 2:35
